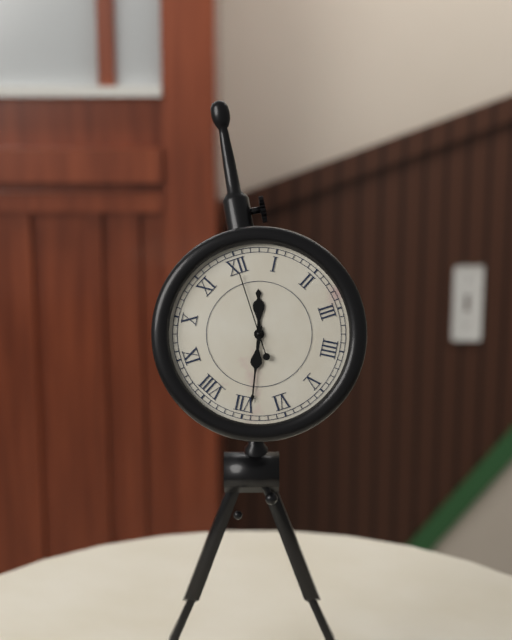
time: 12:34:00
